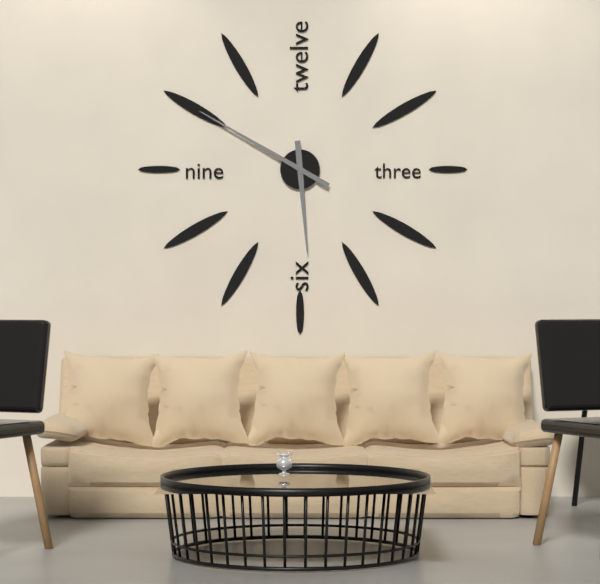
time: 5:50
